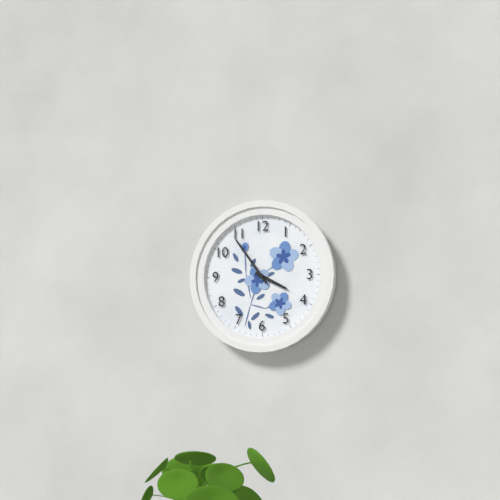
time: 3:54
